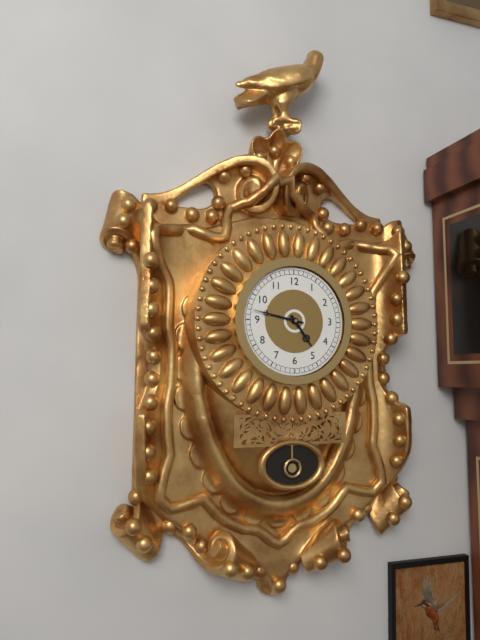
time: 4:47
